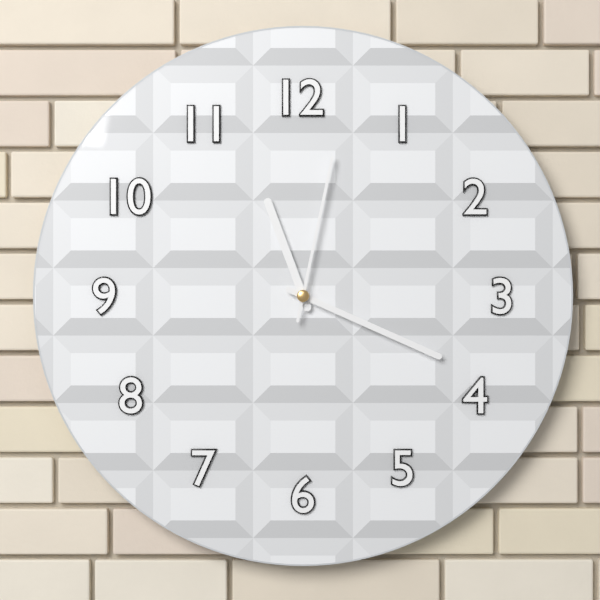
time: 11:19:02
